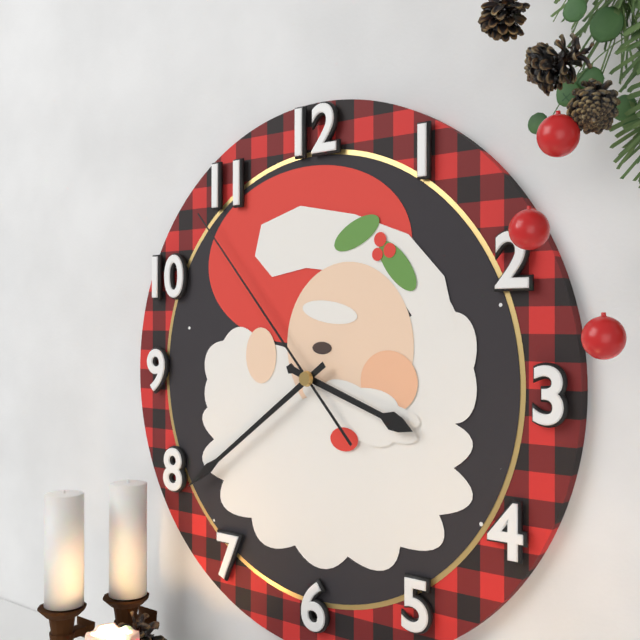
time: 3:39:53
